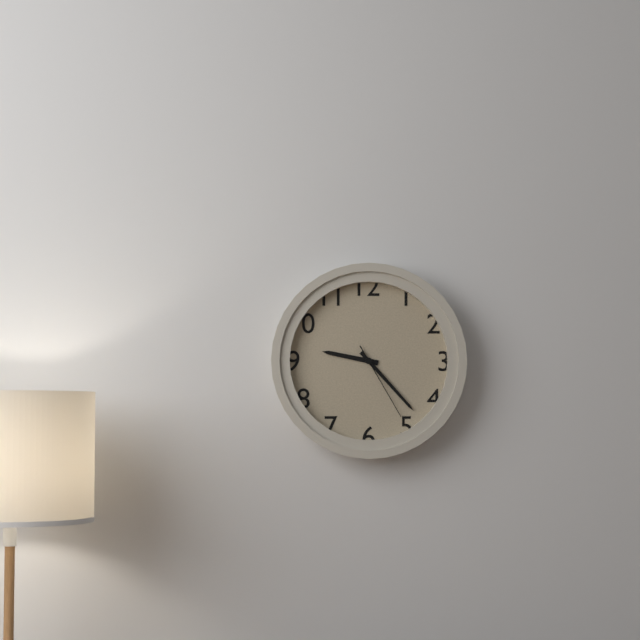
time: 9:23:25
